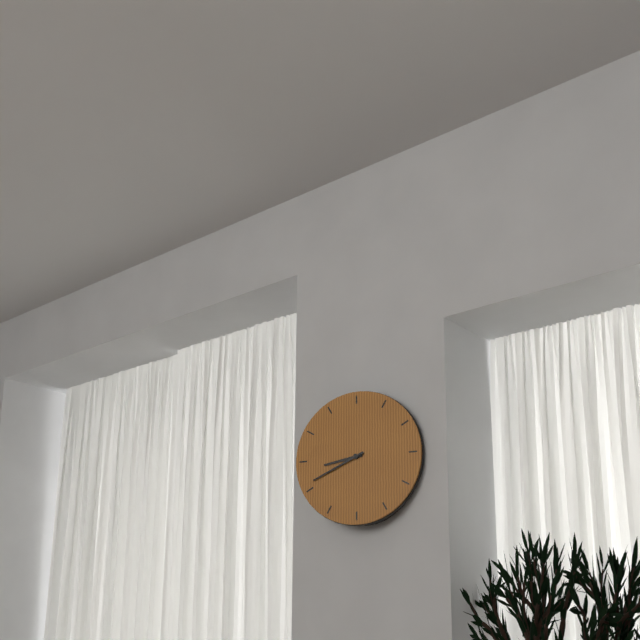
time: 8:41
